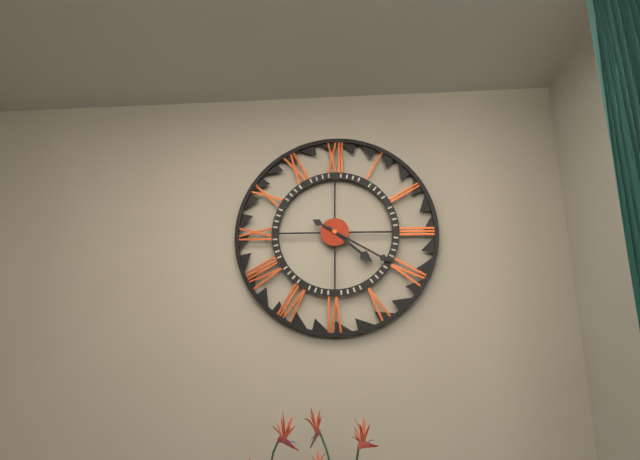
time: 4:20
